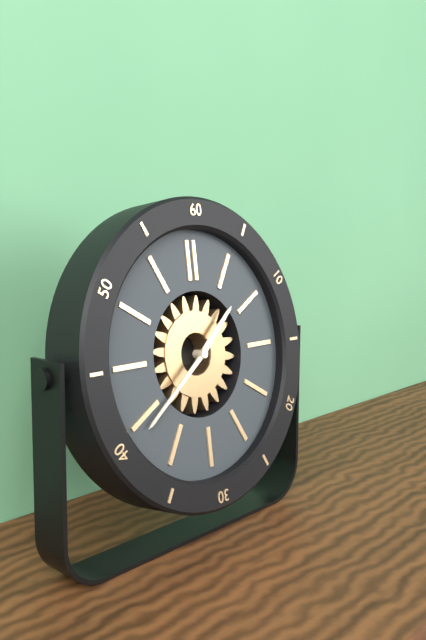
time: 1:39
